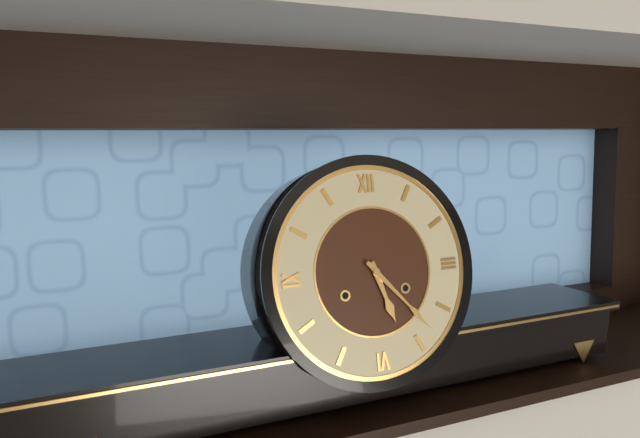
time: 5:23
